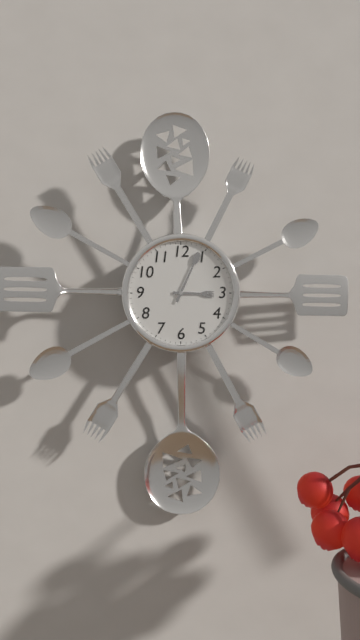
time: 3:04
